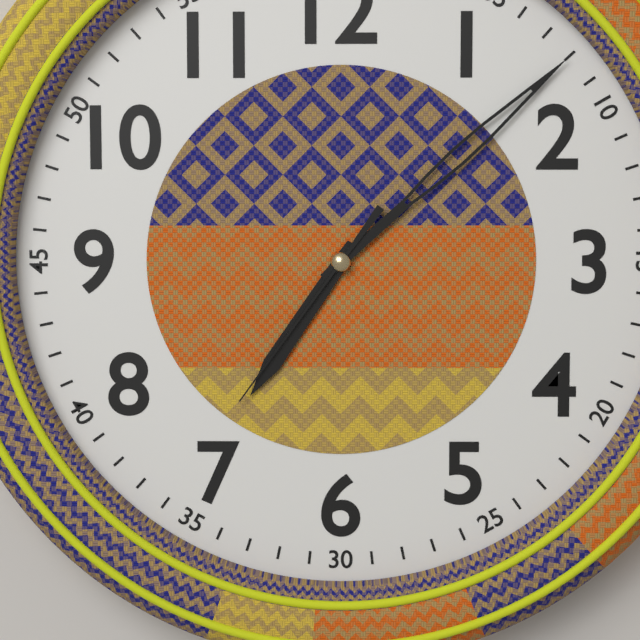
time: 7:08:36
